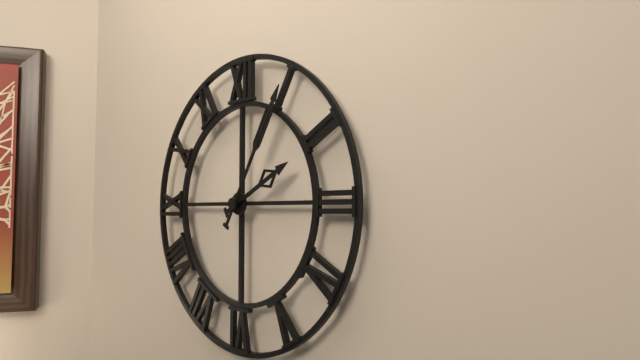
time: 2:05
